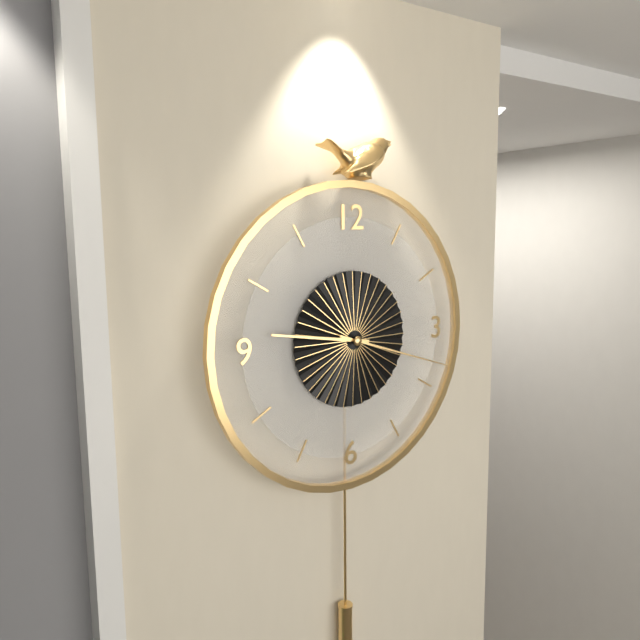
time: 9:18
